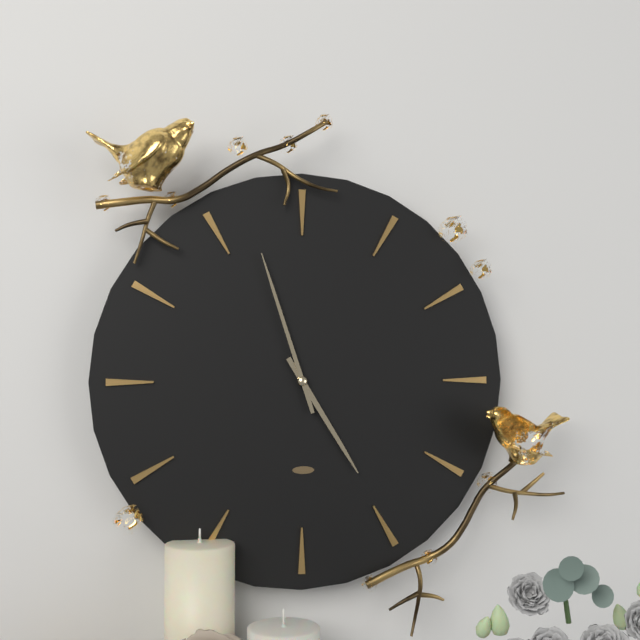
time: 4:57
